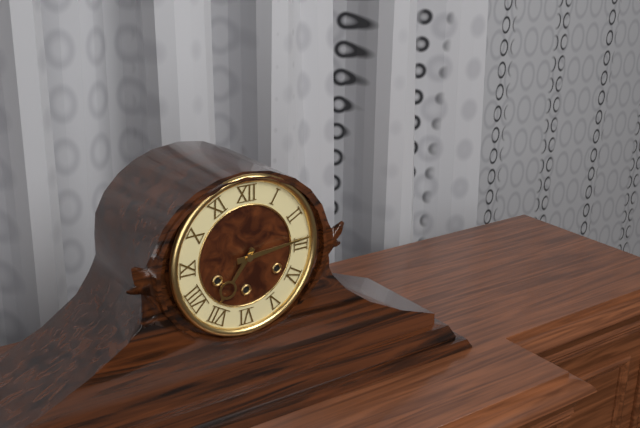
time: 7:14
